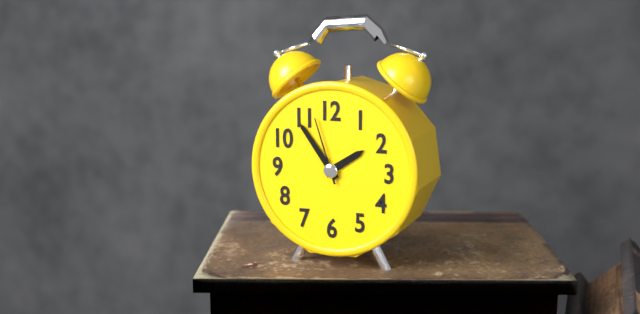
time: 1:54:57
